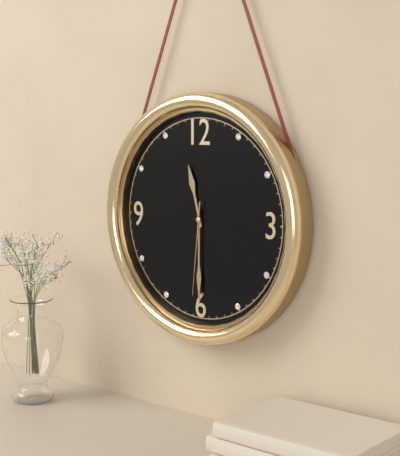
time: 11:30:31
